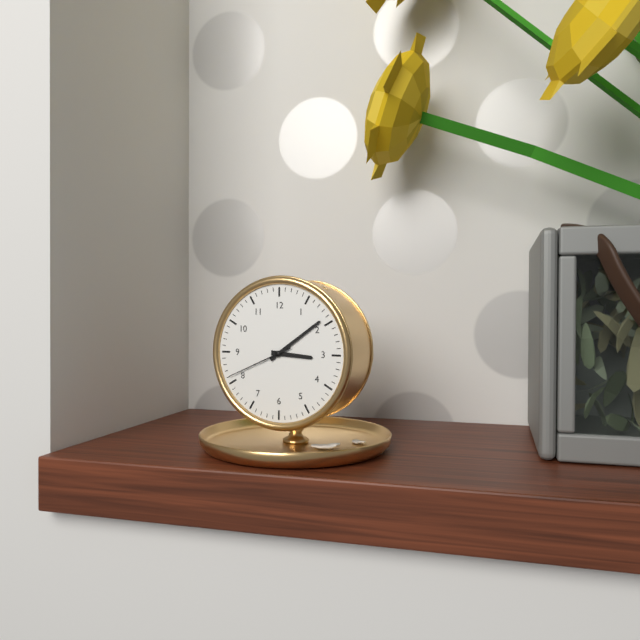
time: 3:09:41
